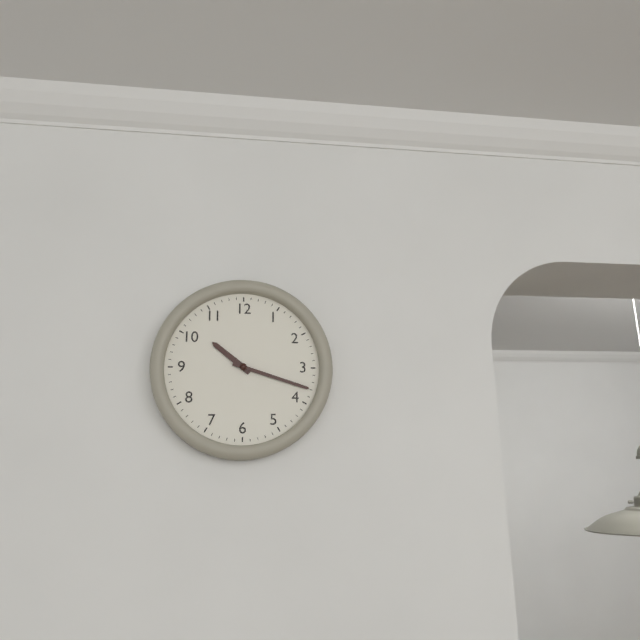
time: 10:18
